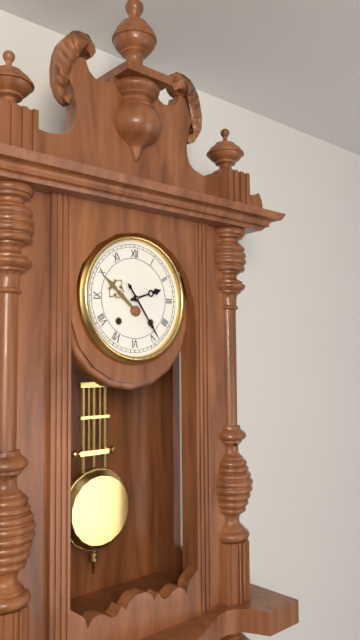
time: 2:24
